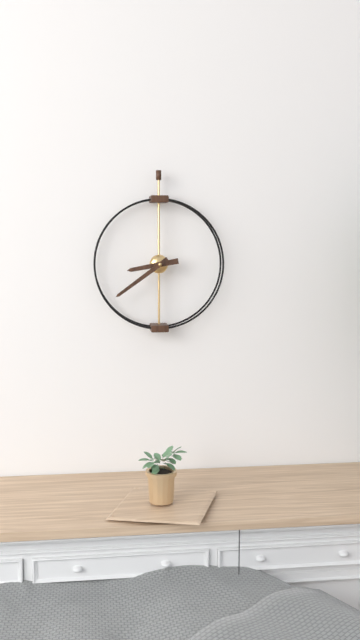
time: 8:39
